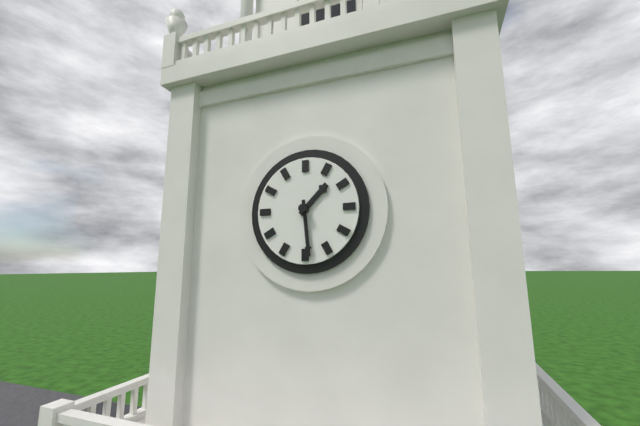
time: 1:29
